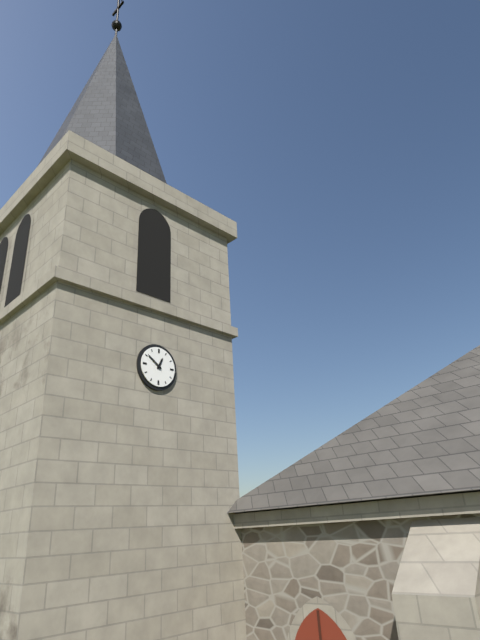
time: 12:51
